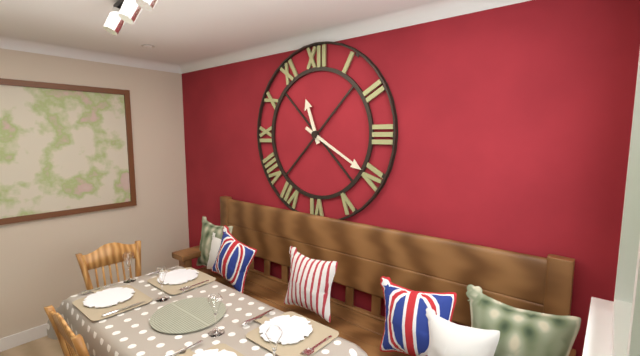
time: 11:20
